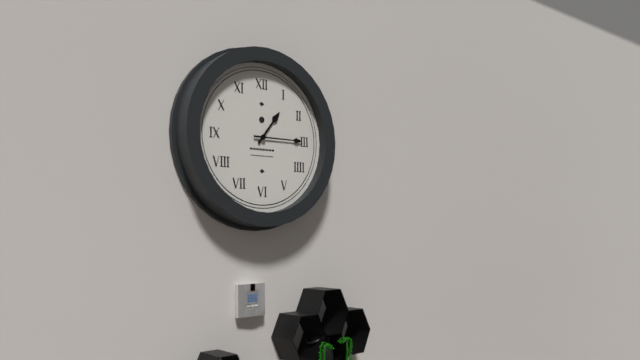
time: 1:15
